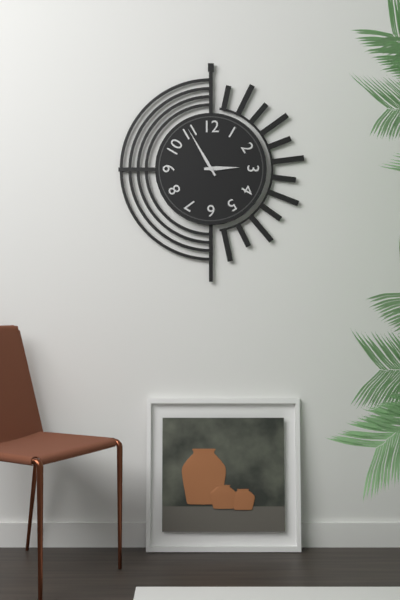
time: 2:55
